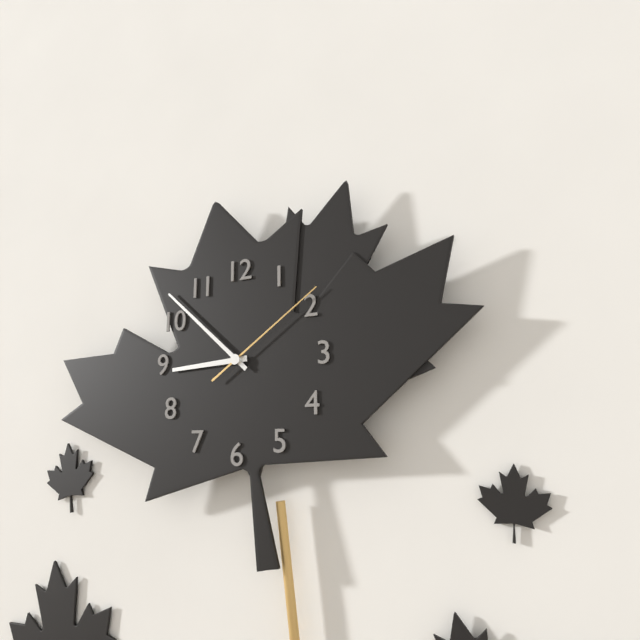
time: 8:52:09
